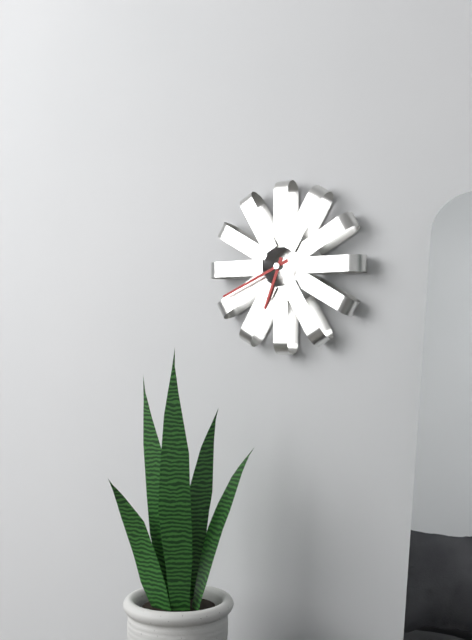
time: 6:41
